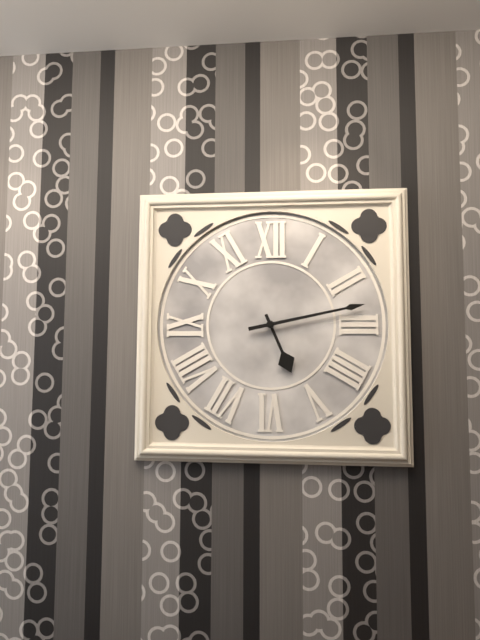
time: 5:13
